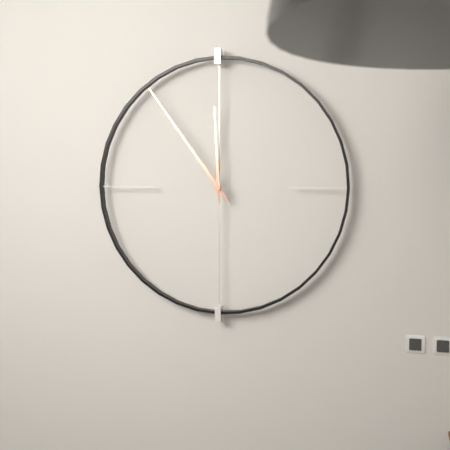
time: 11:54
